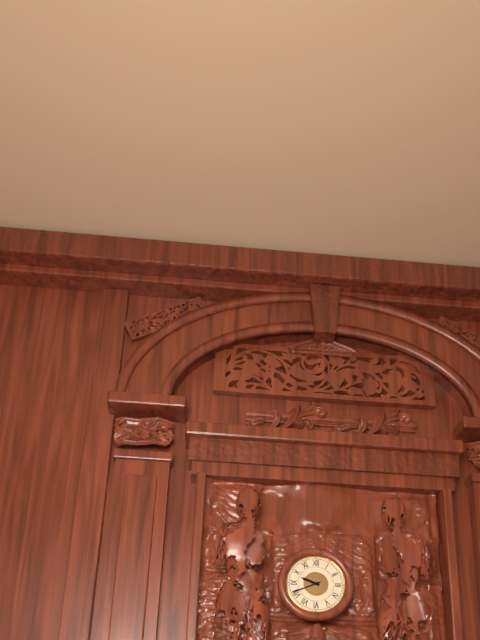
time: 9:41
